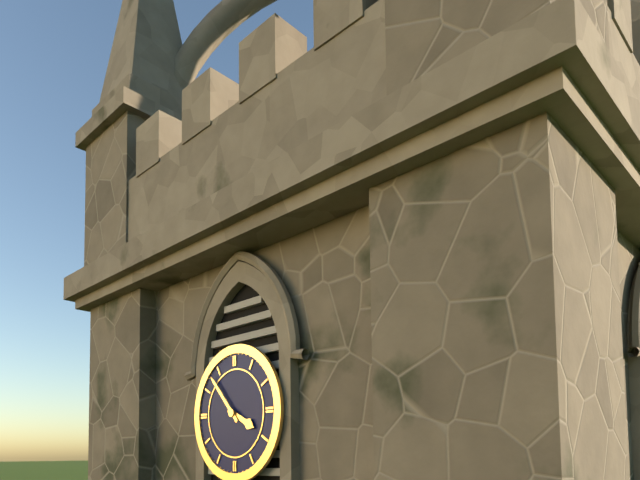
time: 3:53
